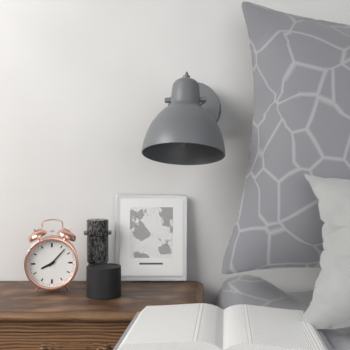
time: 8:07
